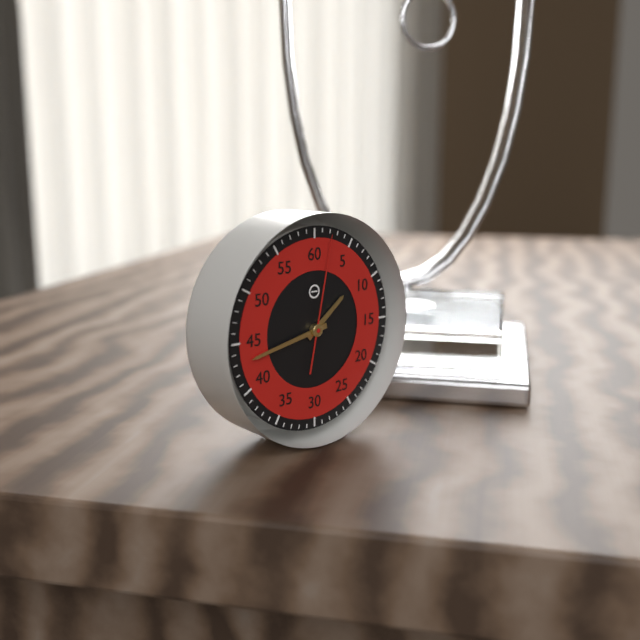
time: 1:43:02
